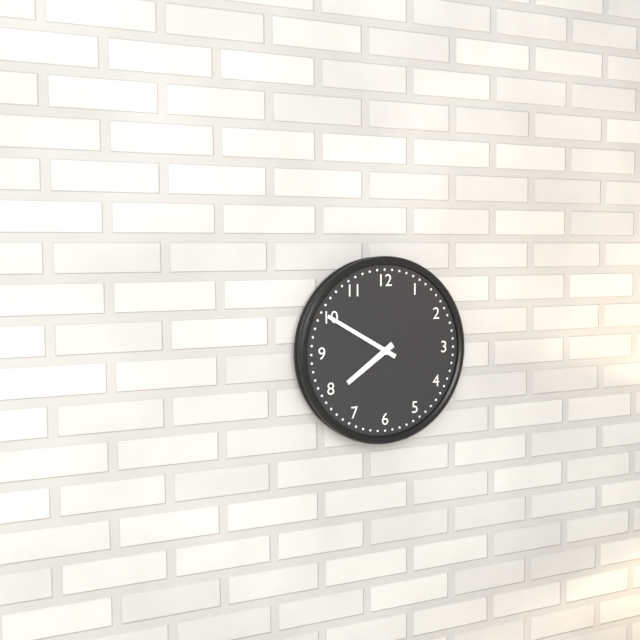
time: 7:50
